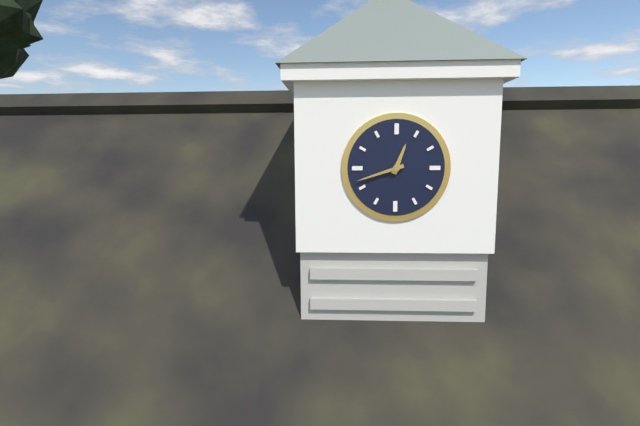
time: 12:42
